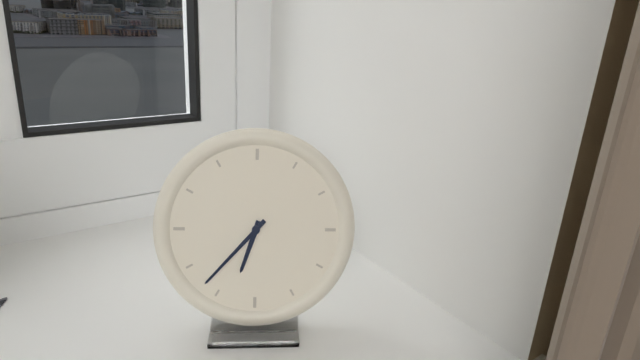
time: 6:37
